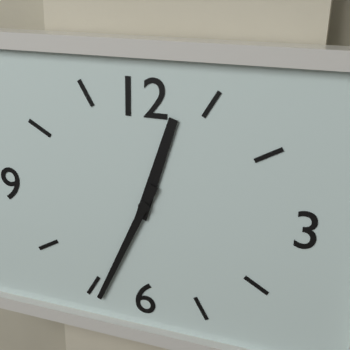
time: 12:34
